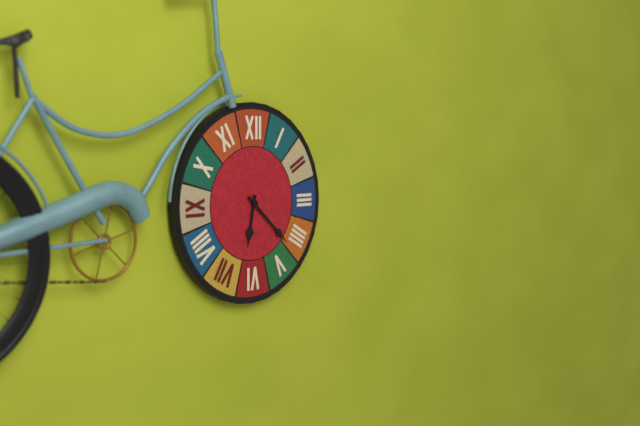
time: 6:22
